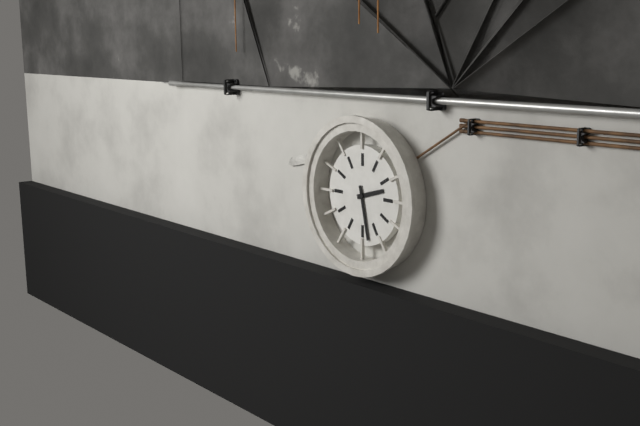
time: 2:28
